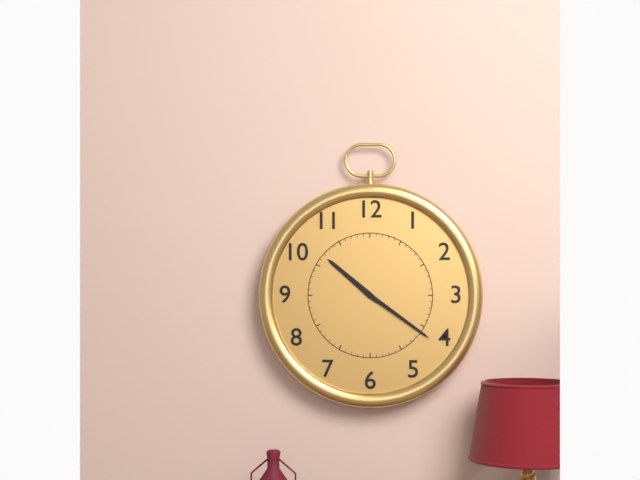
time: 10:21
